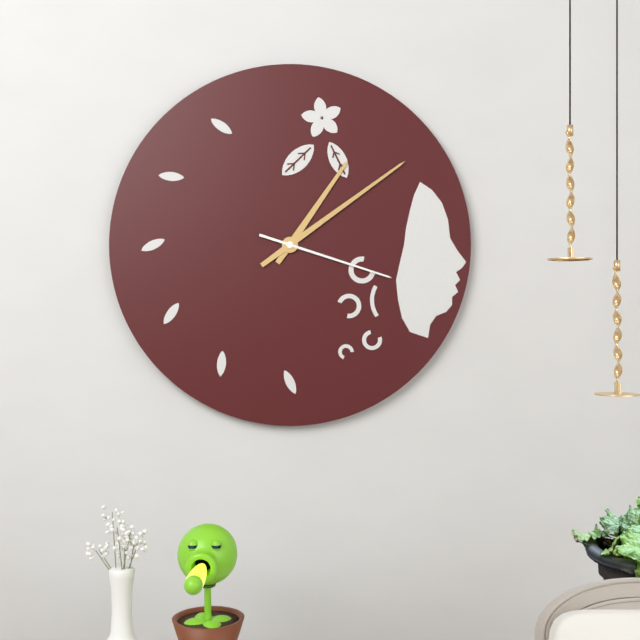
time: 1:09:18
